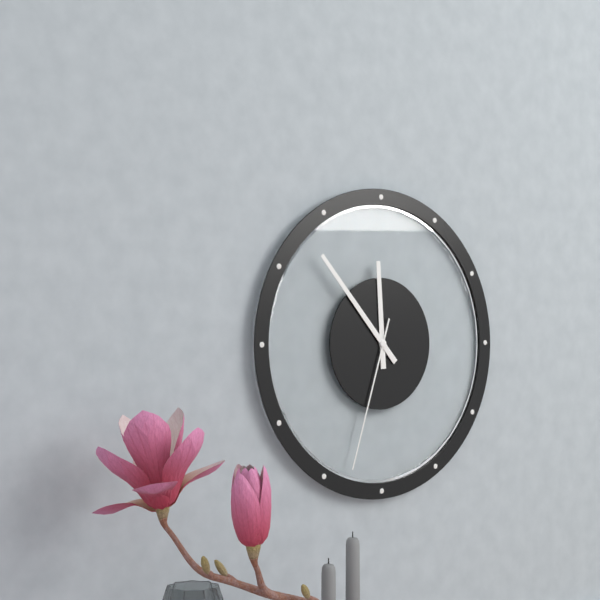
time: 11:53:33
